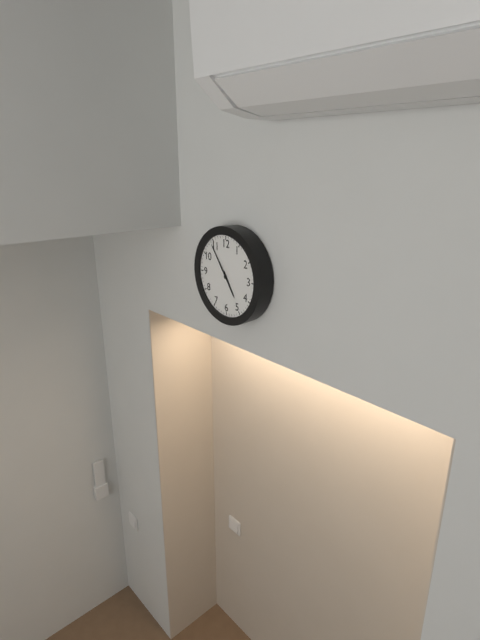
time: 4:54
